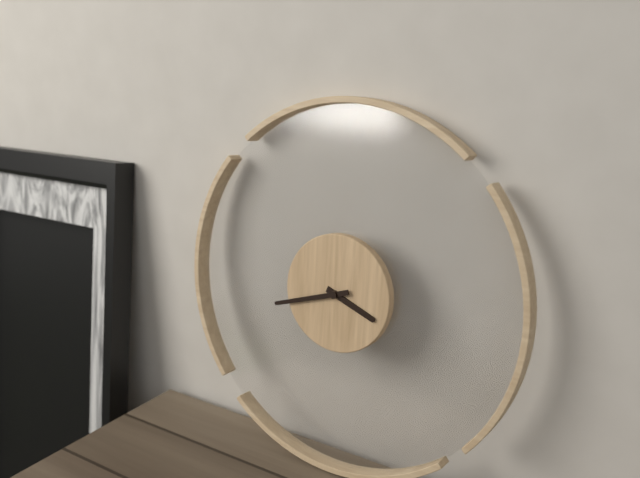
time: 3:42
